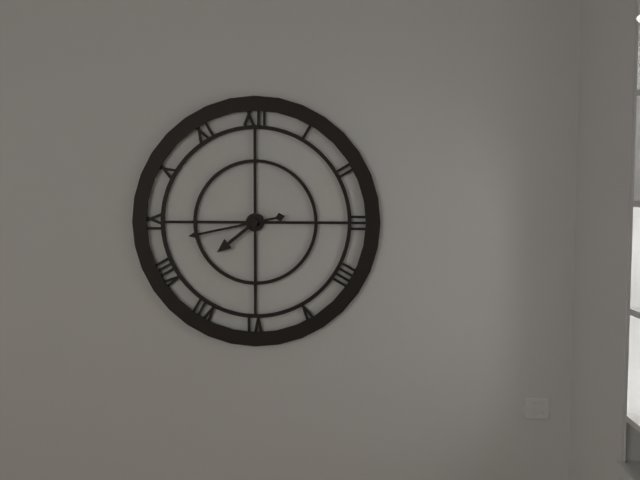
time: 7:43
